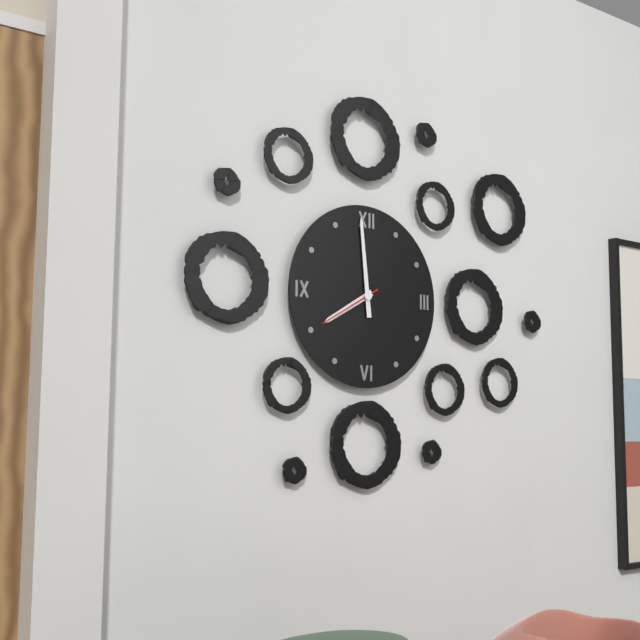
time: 7:59:40
